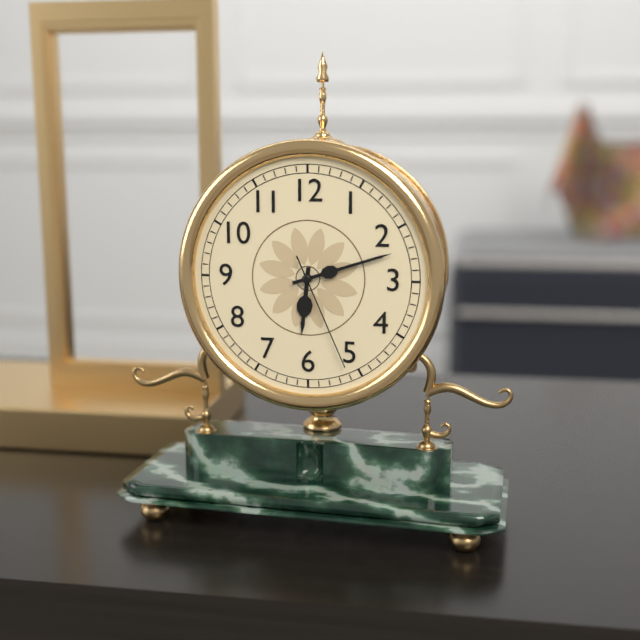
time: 6:12:26
